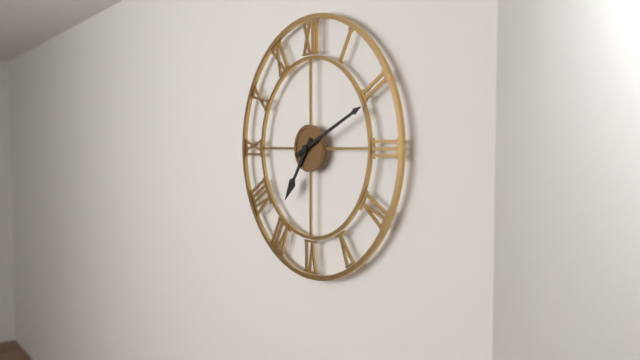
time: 7:11
